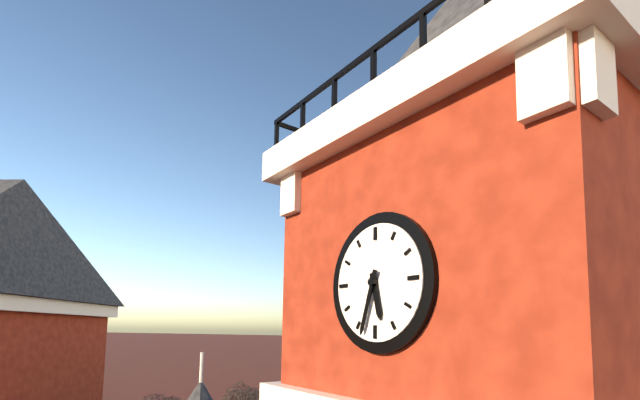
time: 5:33
